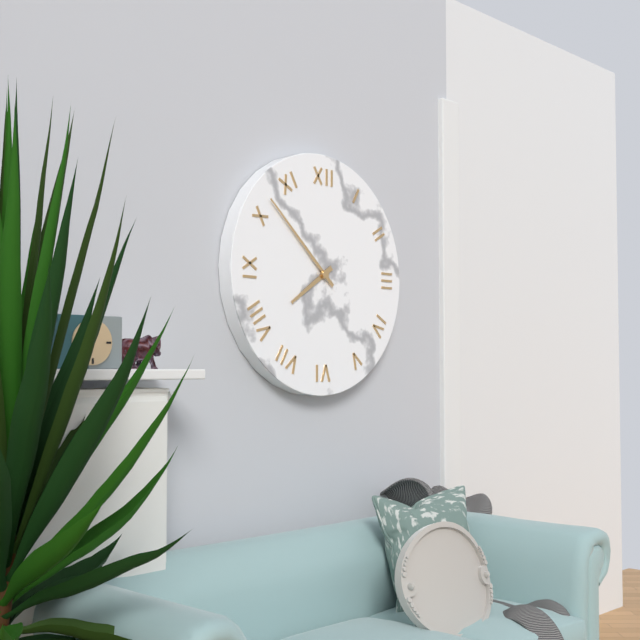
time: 7:52
